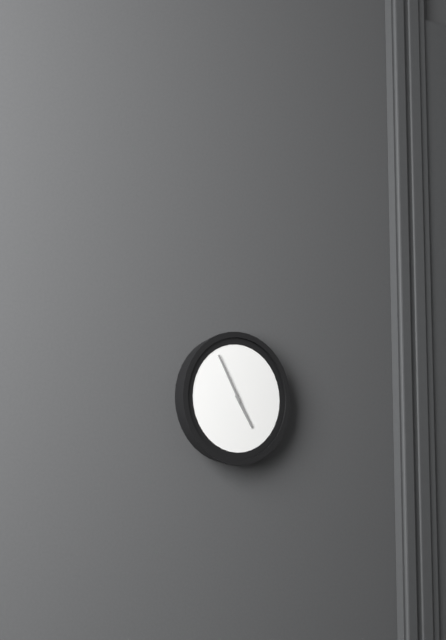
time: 4:55
